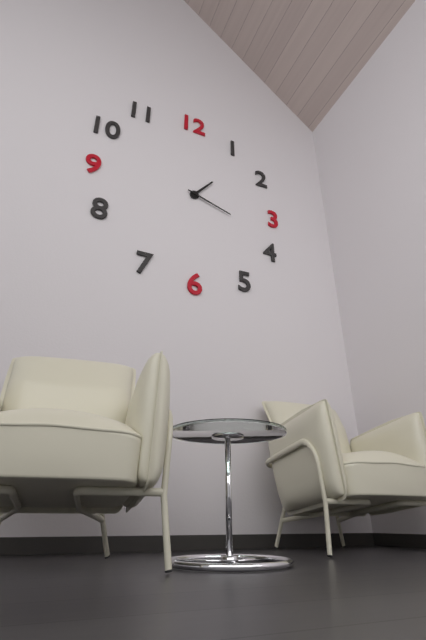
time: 1:18
